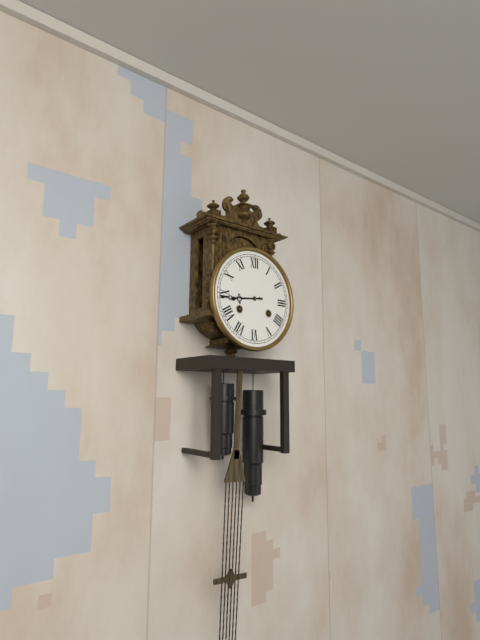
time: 8:44
